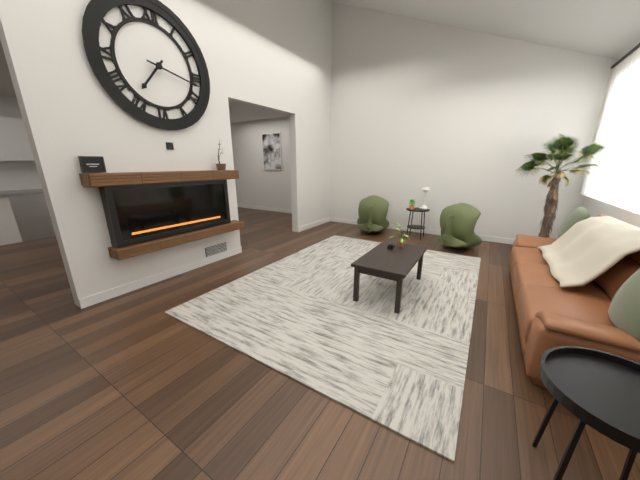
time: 7:17
